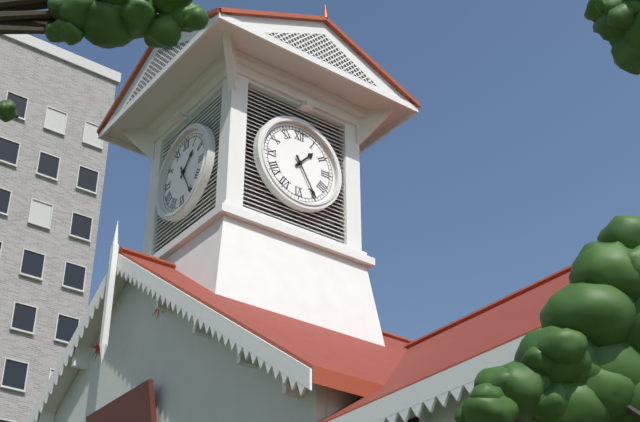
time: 1:25
